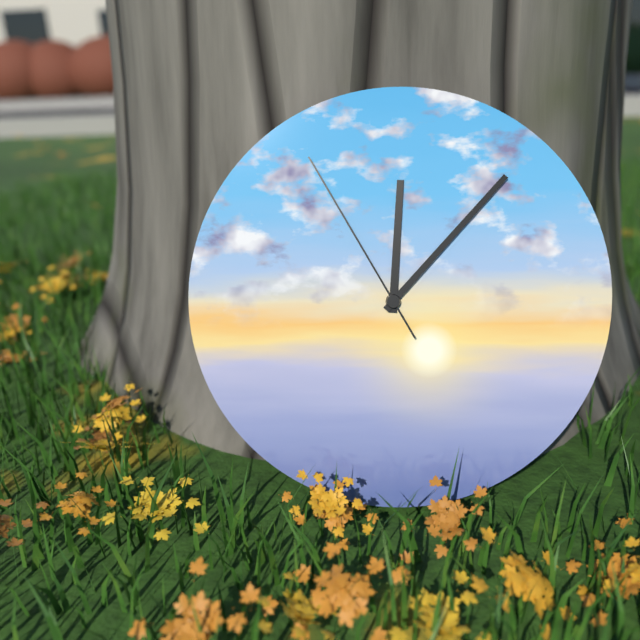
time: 12:07:55
